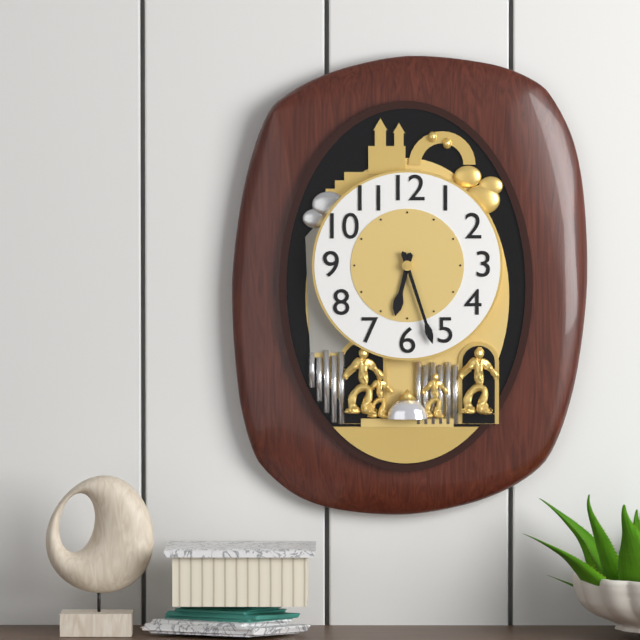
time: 6:27
